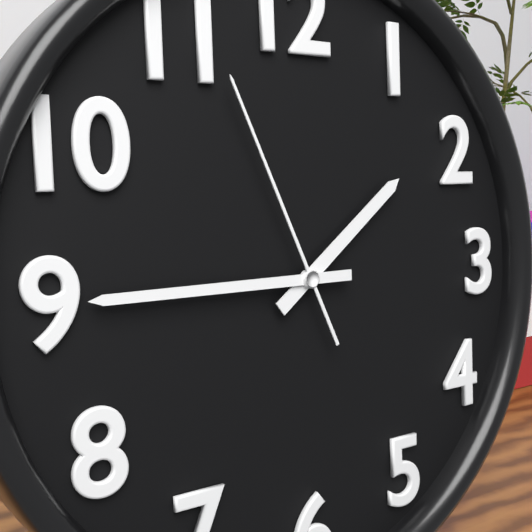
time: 1:45:56
